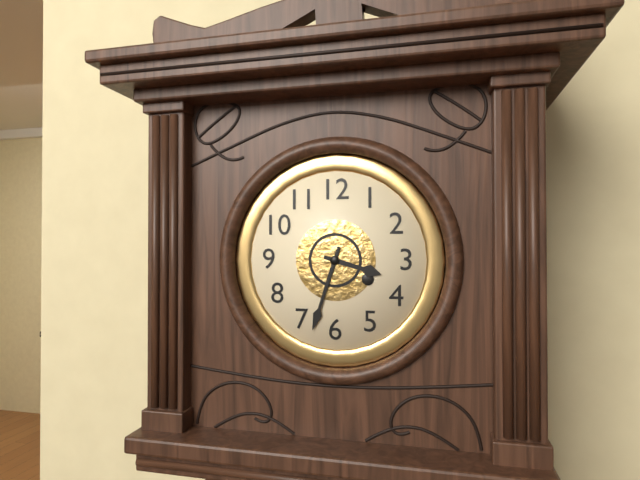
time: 3:33
